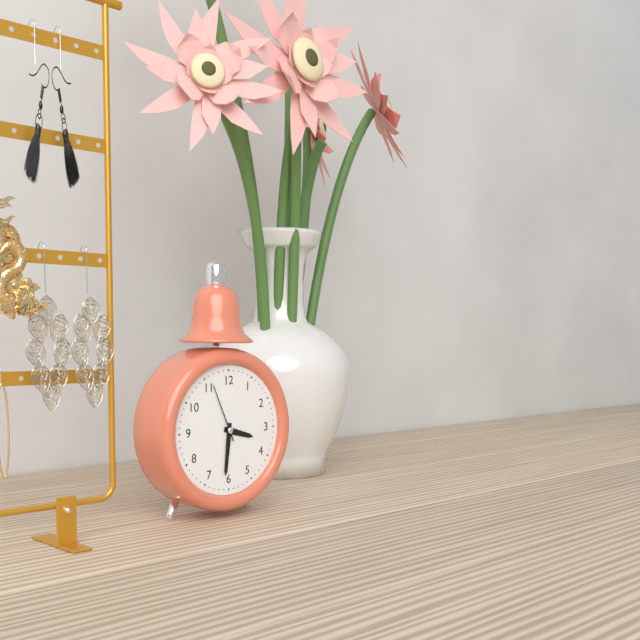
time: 3:31:56
